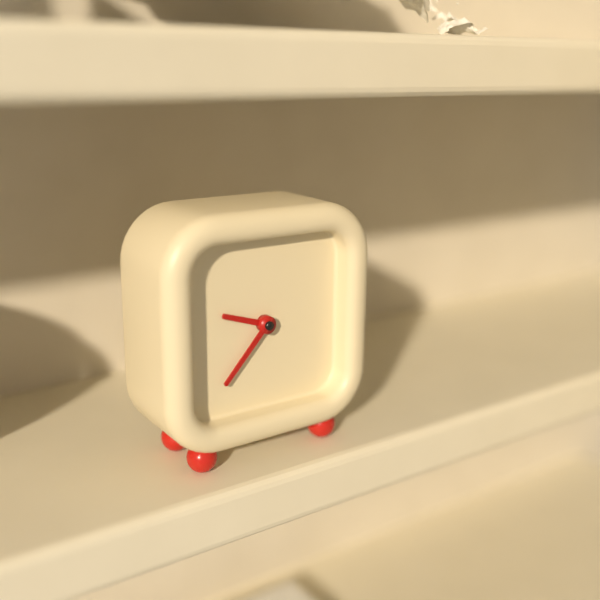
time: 9:37
